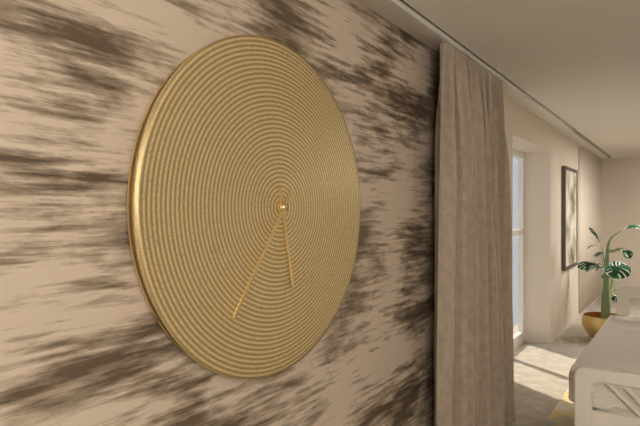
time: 5:36
